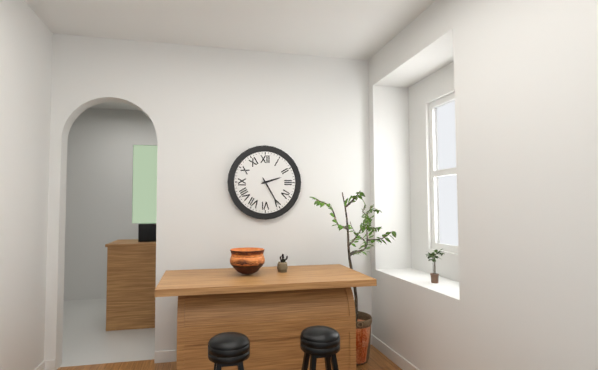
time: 2:25
